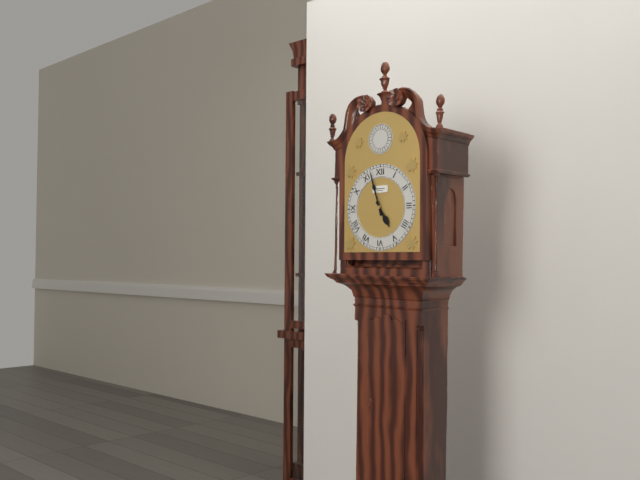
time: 4:57
